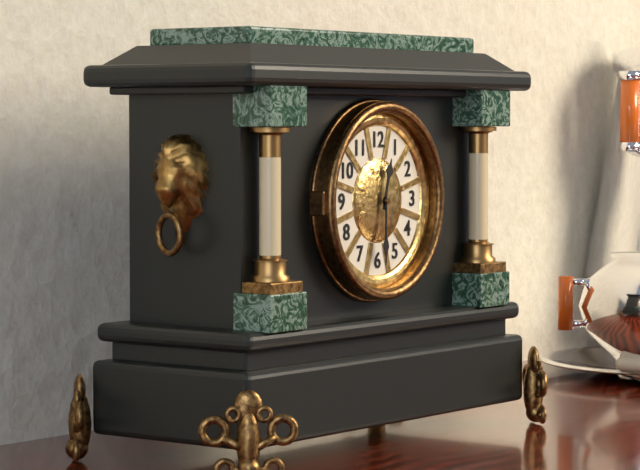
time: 12:30
